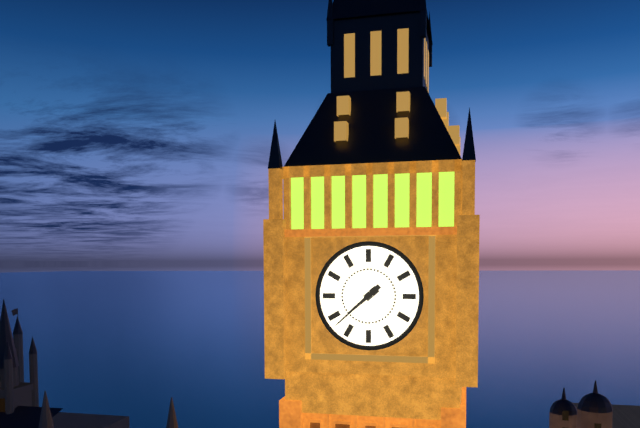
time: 7:38
